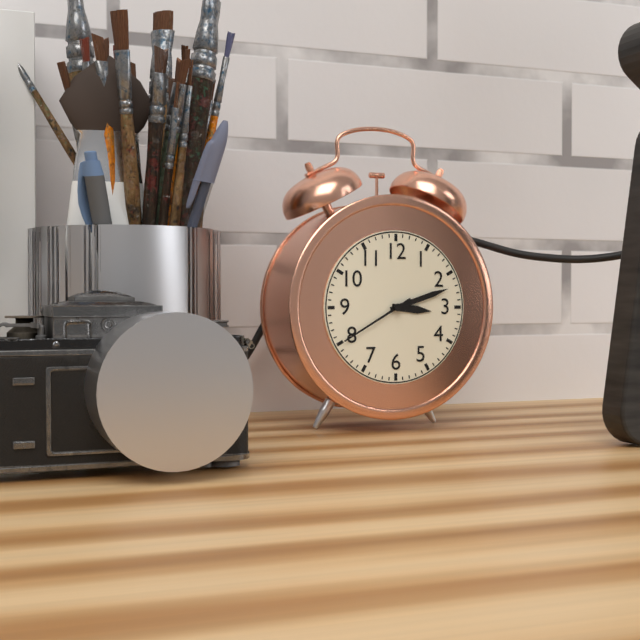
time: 3:12:40
